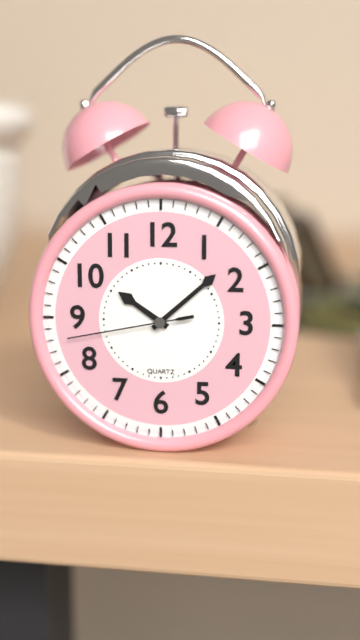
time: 10:08:43
